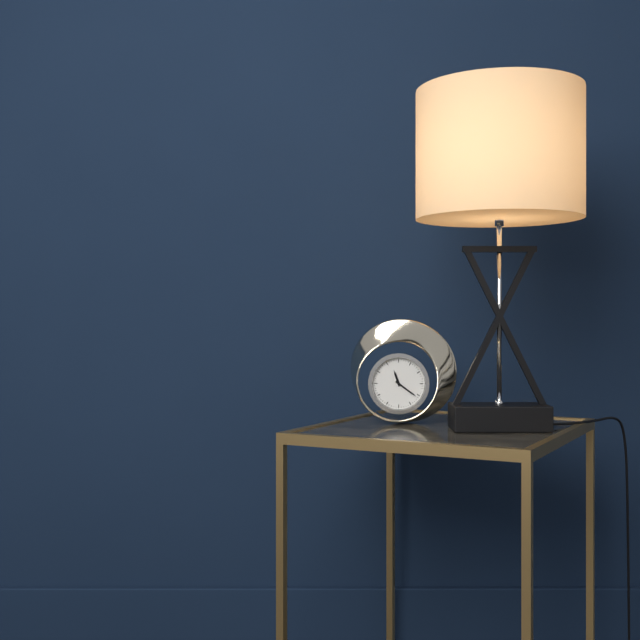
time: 11:21
